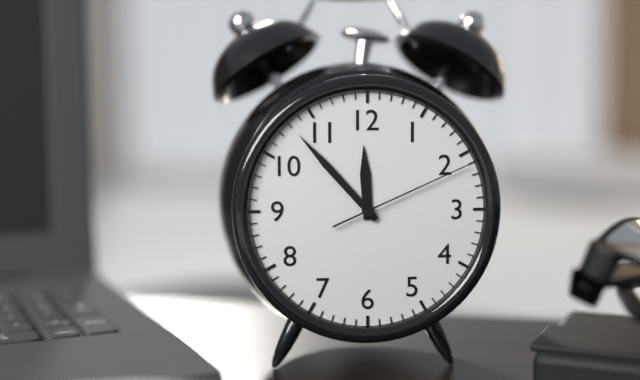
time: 11:53:11
